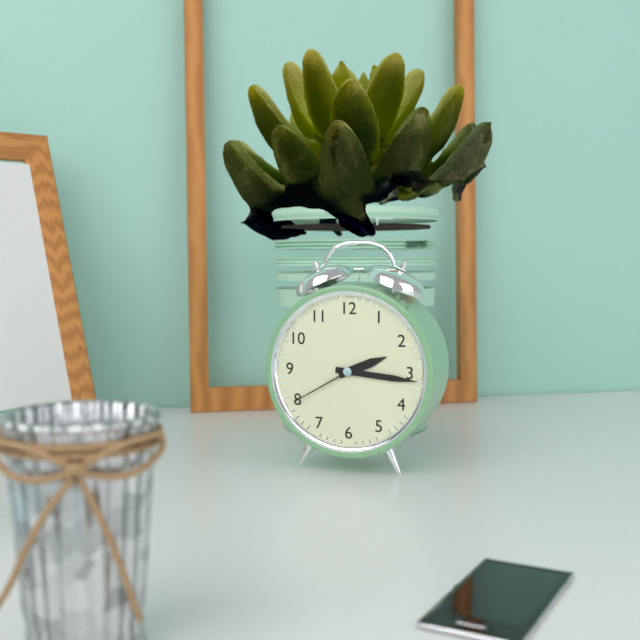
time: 2:16:40
